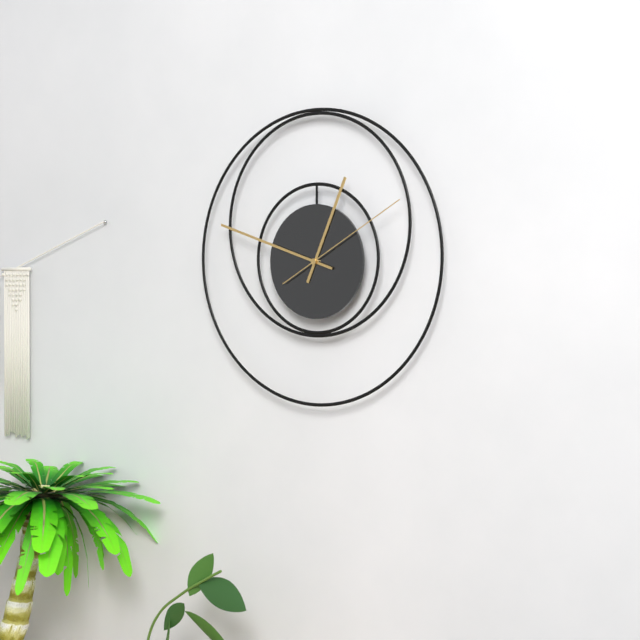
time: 12:48:10
